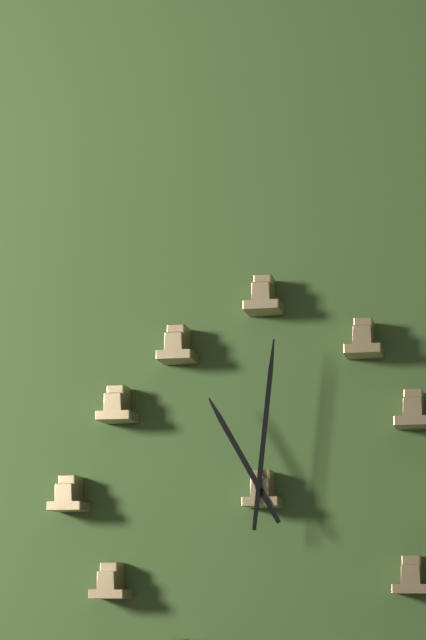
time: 11:01
